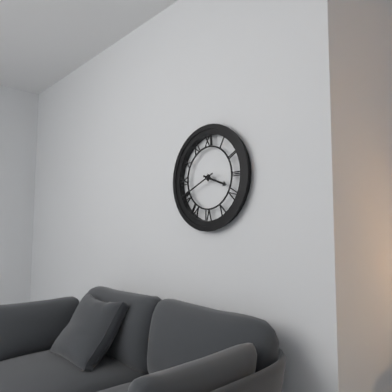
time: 3:41
